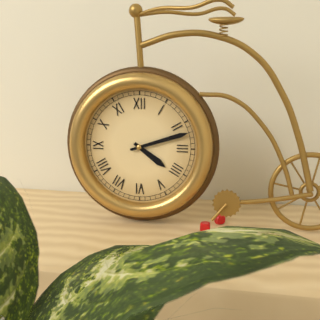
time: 4:12
